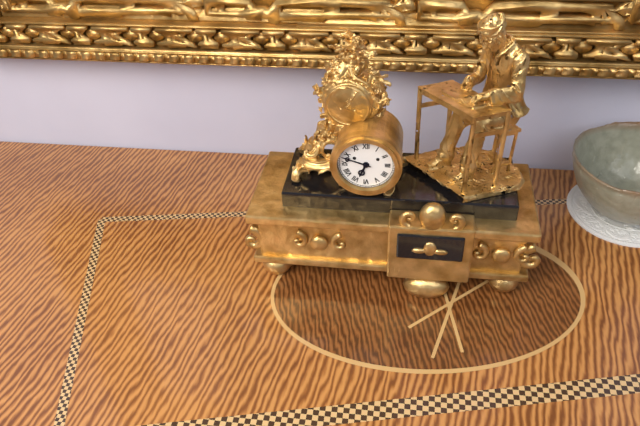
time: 6:48
